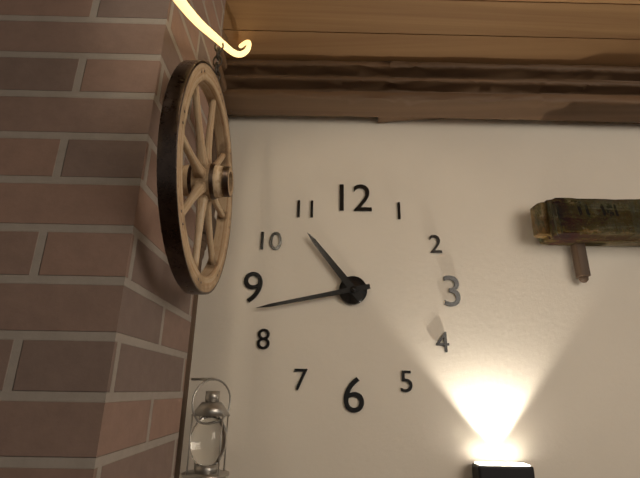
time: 10:43
